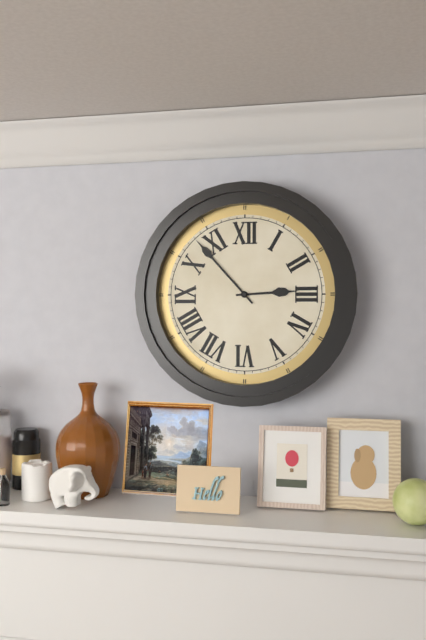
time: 2:53
